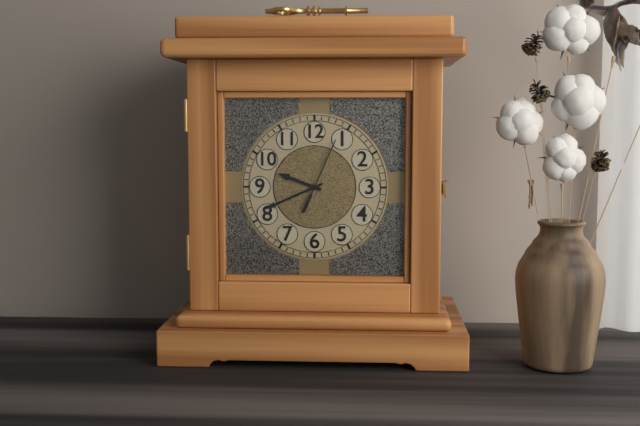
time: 9:41:04
